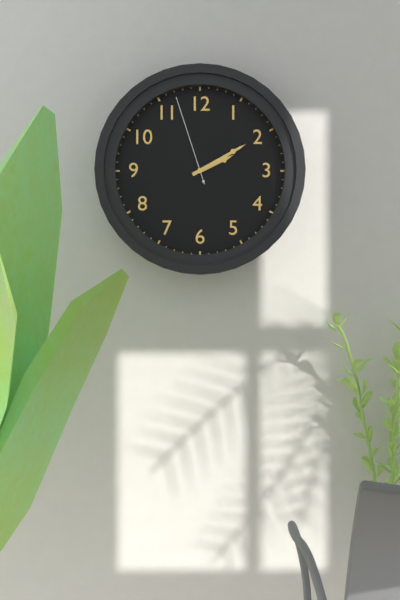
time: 2:10:57
